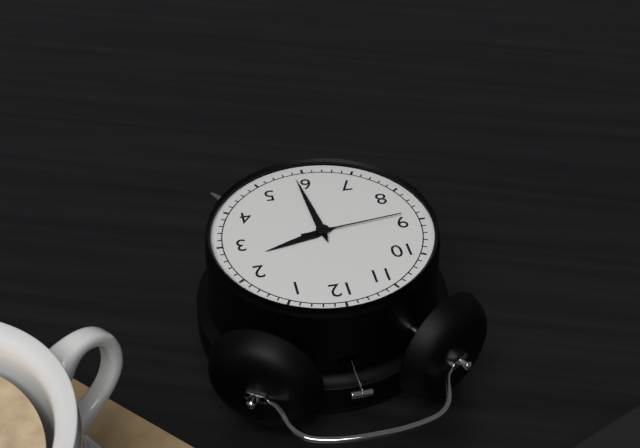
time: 2:29:44
